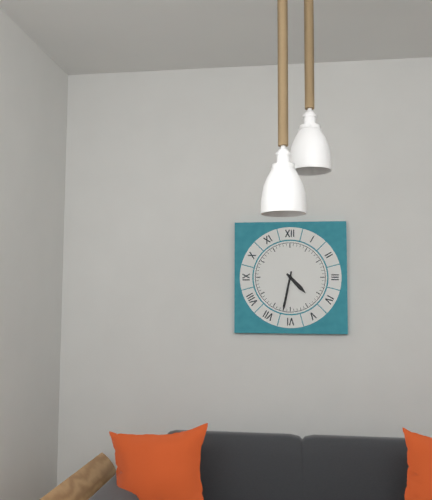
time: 4:32
